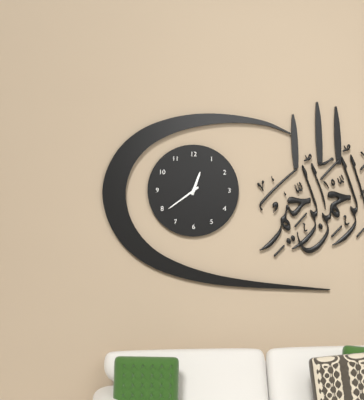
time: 12:39
